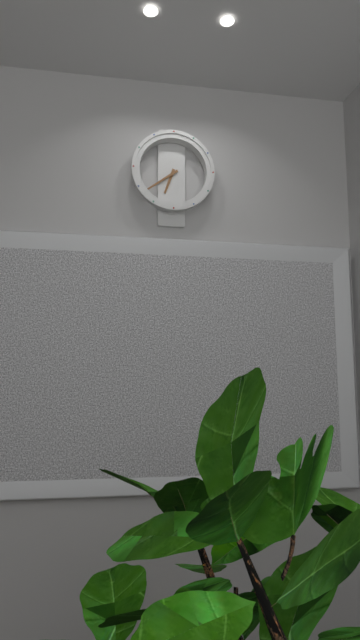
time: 6:39
